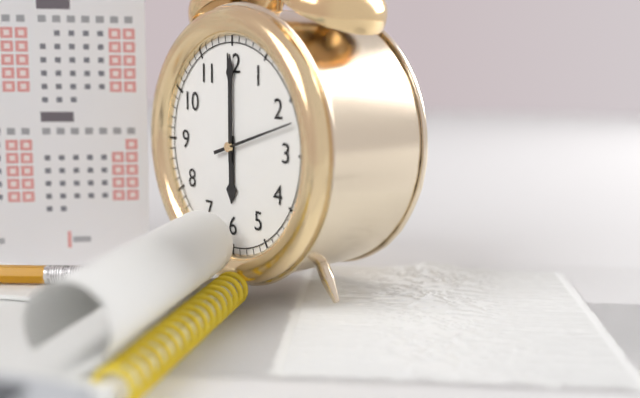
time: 6:00:12
